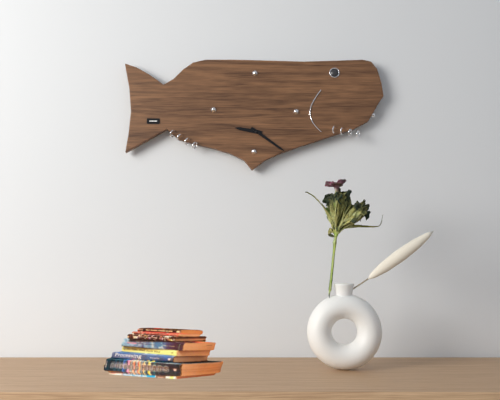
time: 9:21
